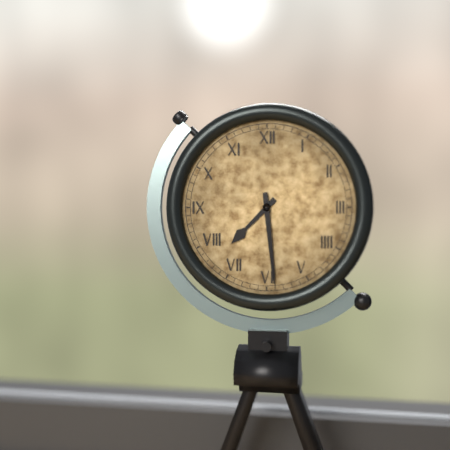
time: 7:29
